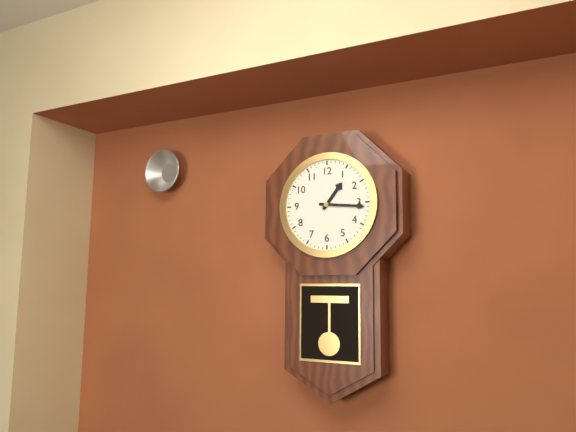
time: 1:16
